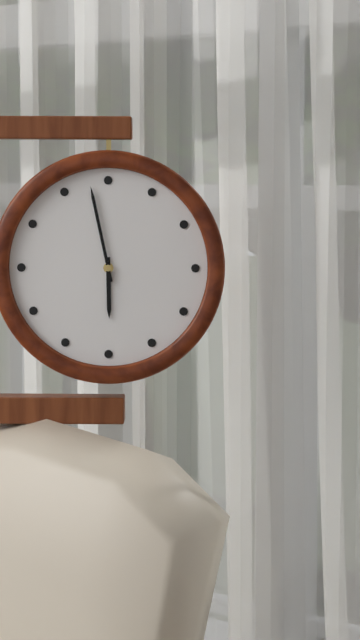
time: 5:58
